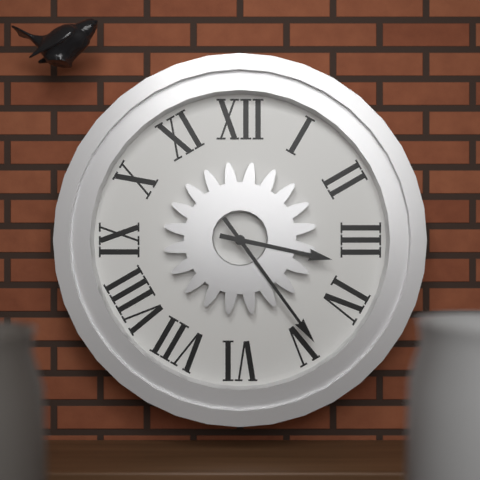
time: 3:24
